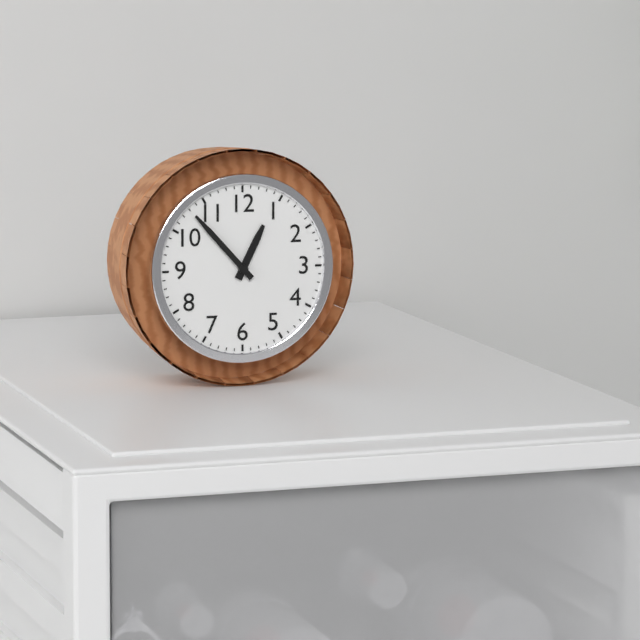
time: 12:53
